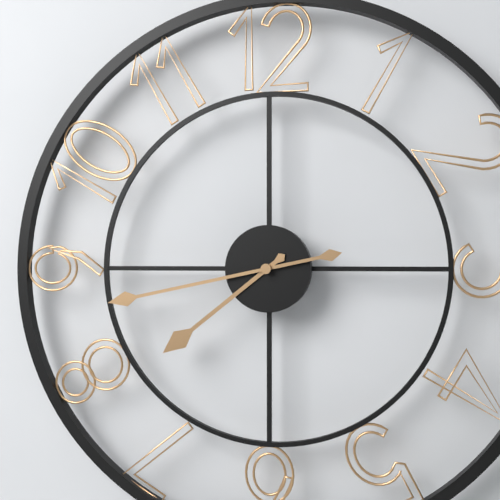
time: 7:43
